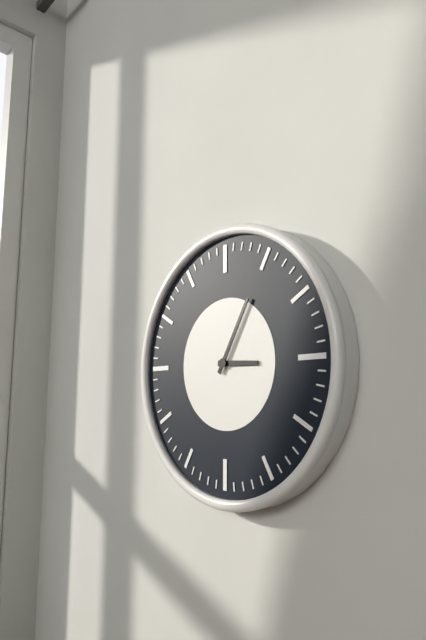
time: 3:05
